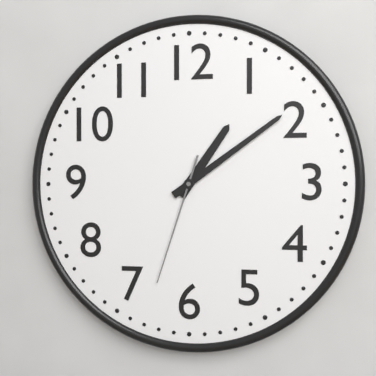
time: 1:09:33
